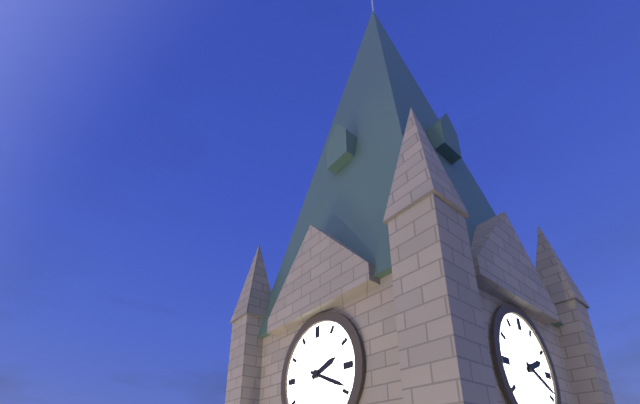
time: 2:19
